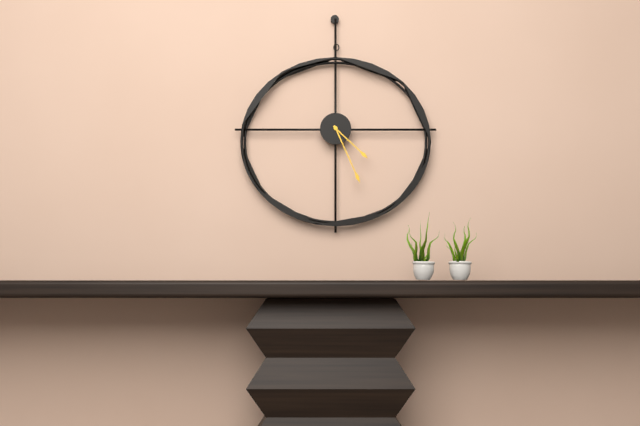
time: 4:26
